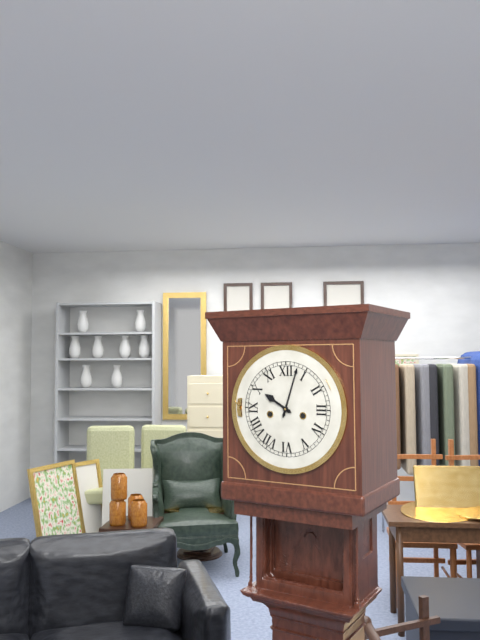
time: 10:03
